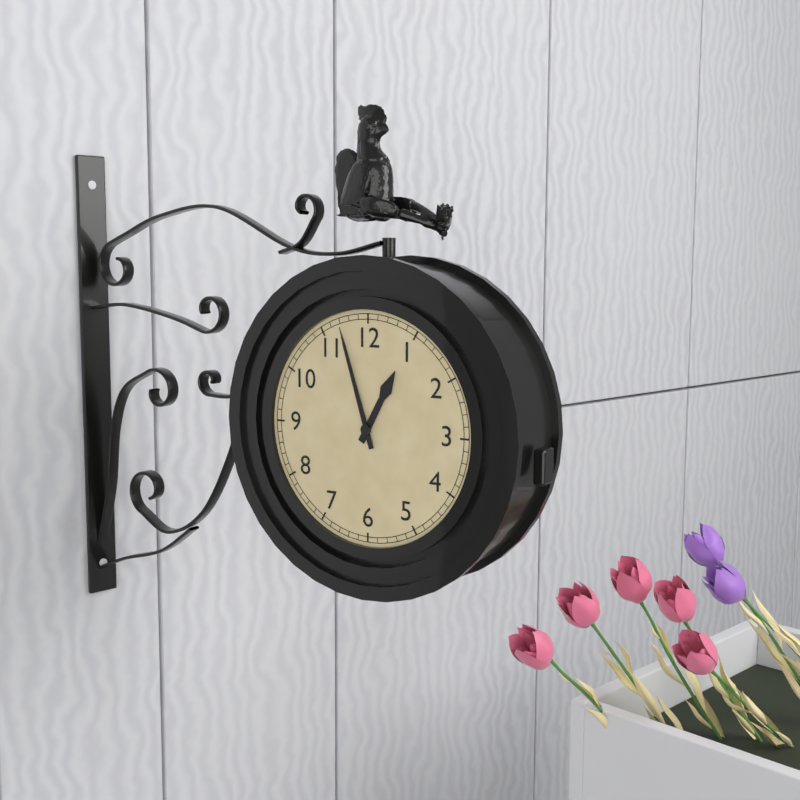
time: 12:57
